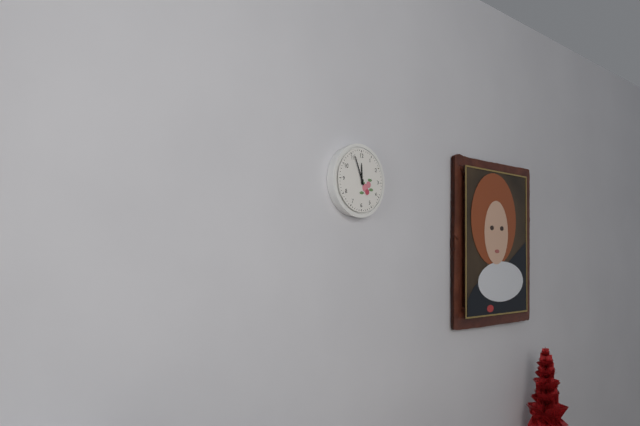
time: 11:56
